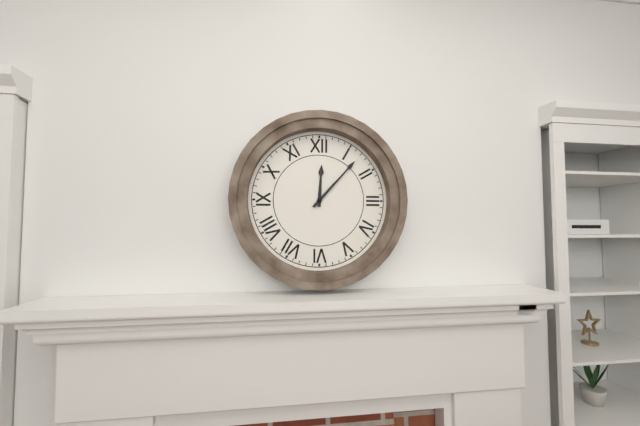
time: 12:07
